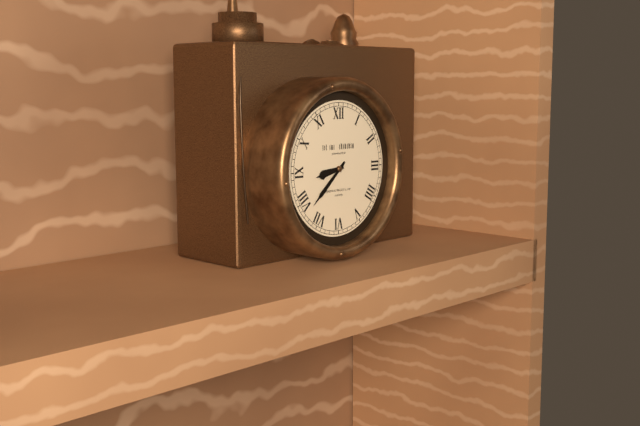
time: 8:38
